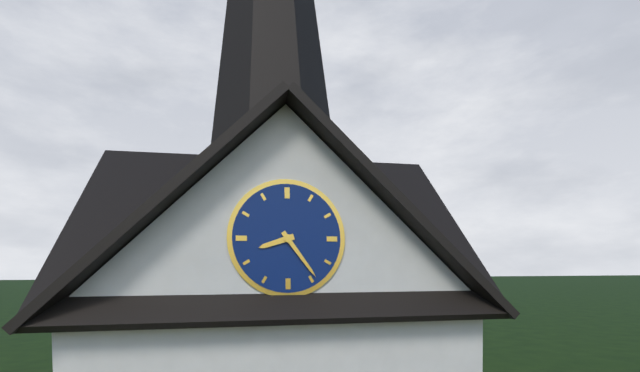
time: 8:24
